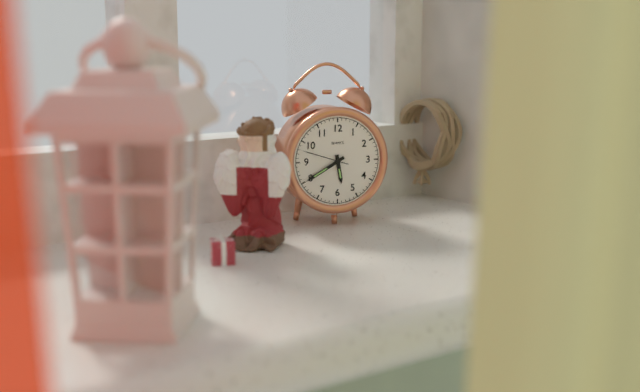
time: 5:40
